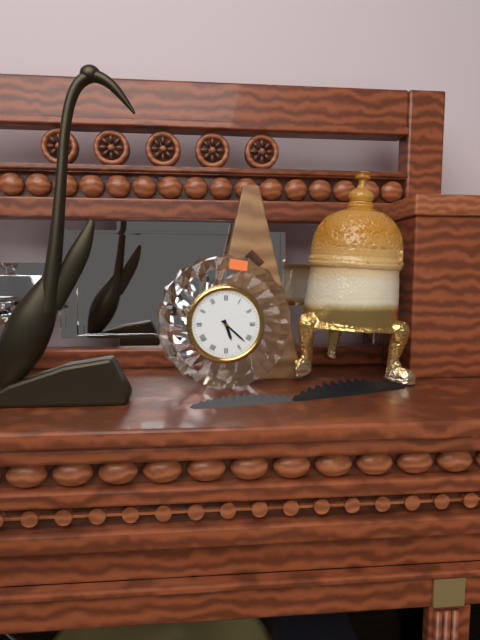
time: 5:22
